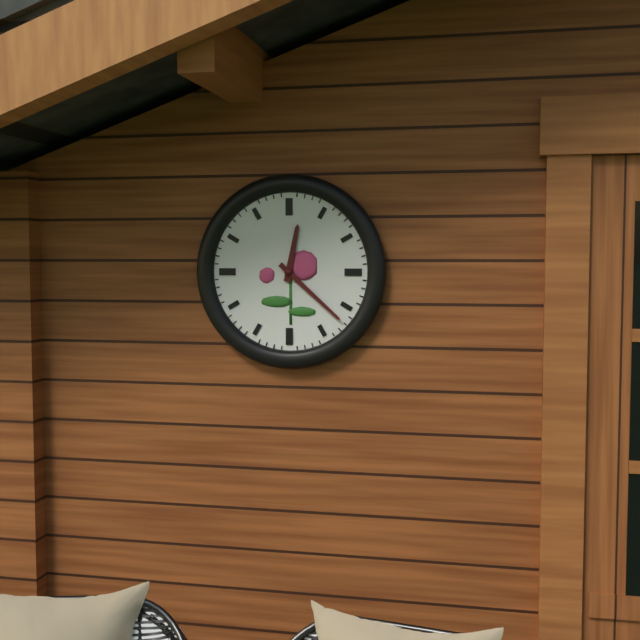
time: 12:22
